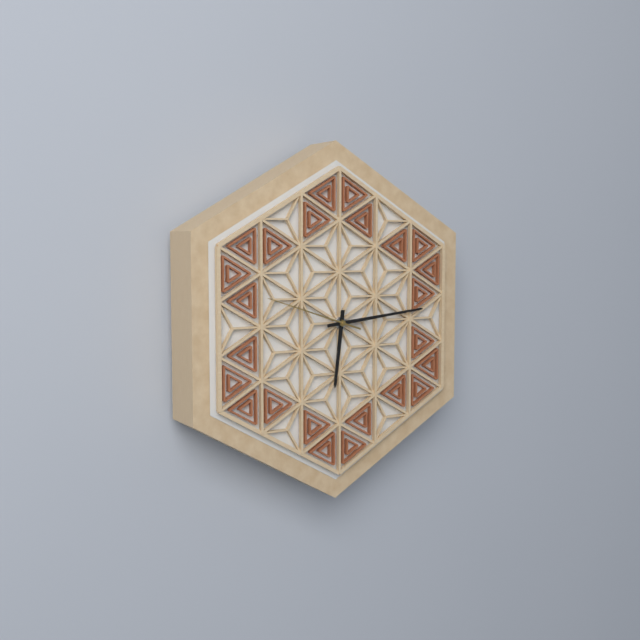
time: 6:14:48
